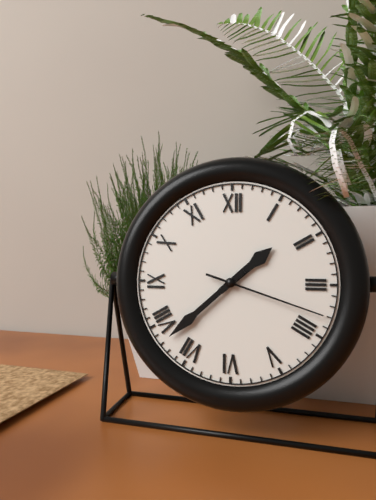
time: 1:38:18
